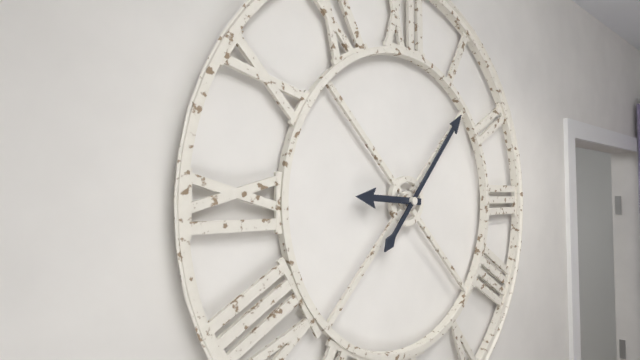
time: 9:07
